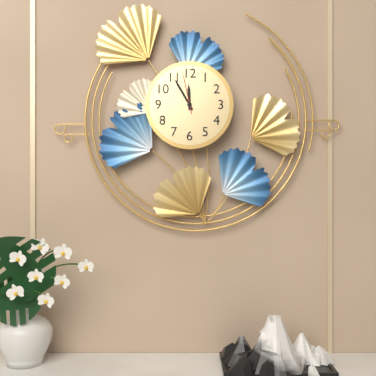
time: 11:55
